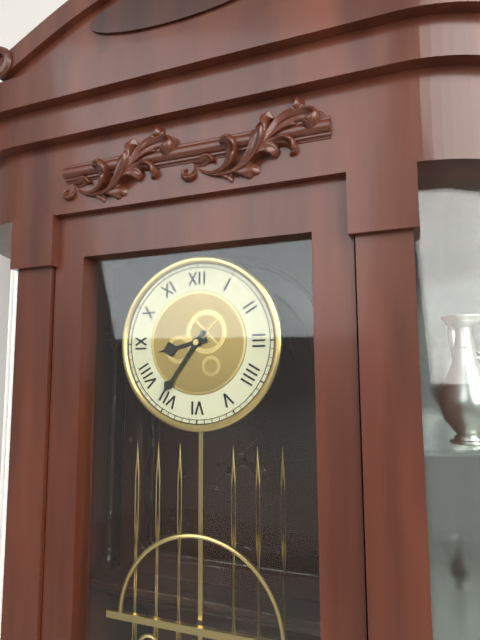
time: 8:36
